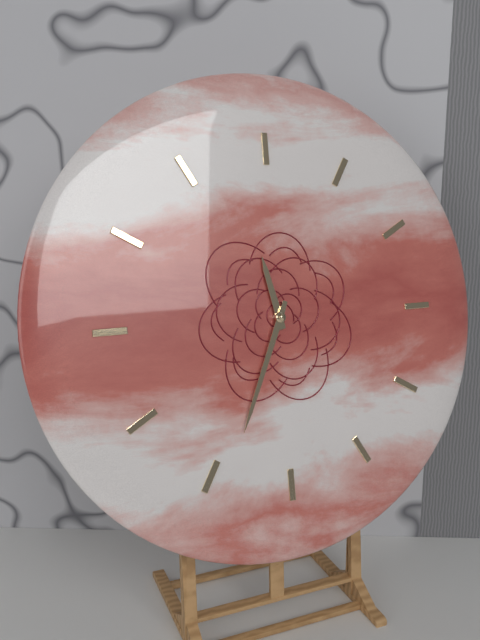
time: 11:34
